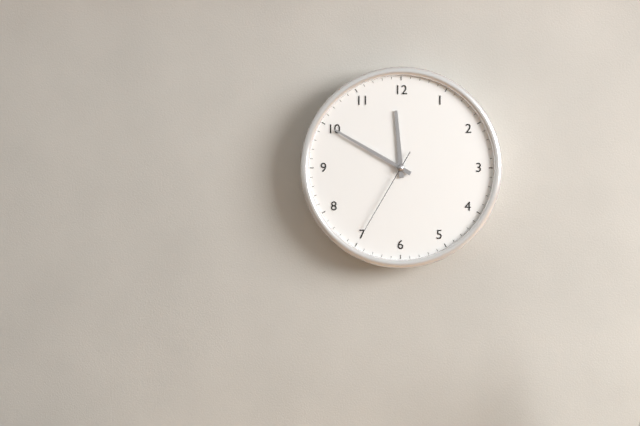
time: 11:50:35
